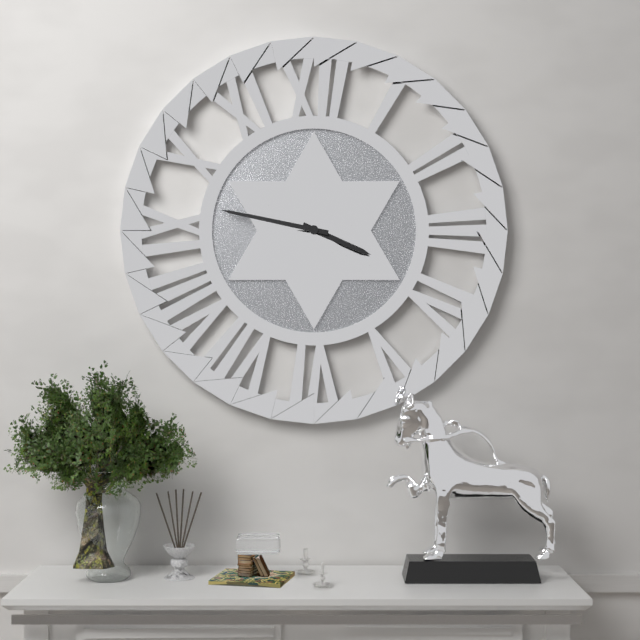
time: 3:47
